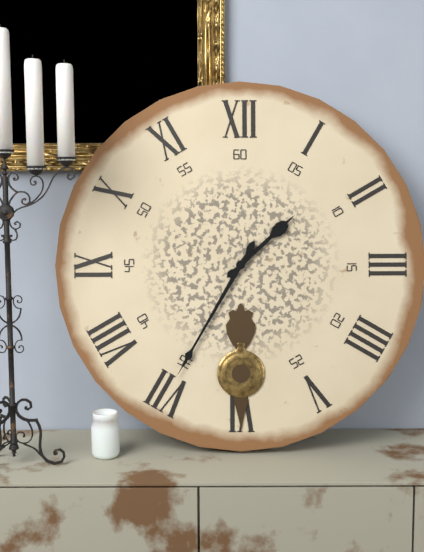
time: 1:35
